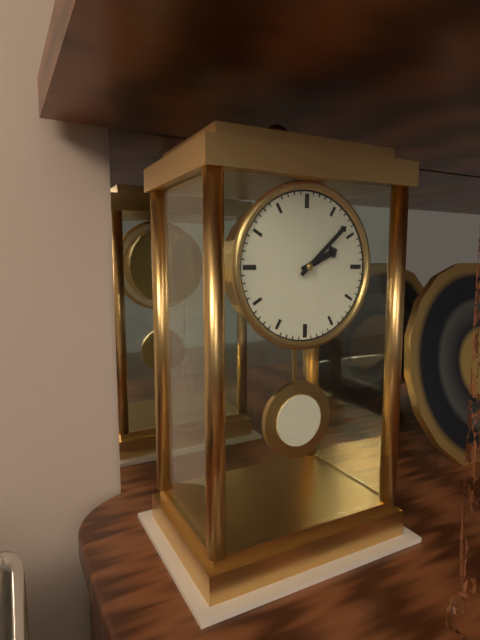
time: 2:08
